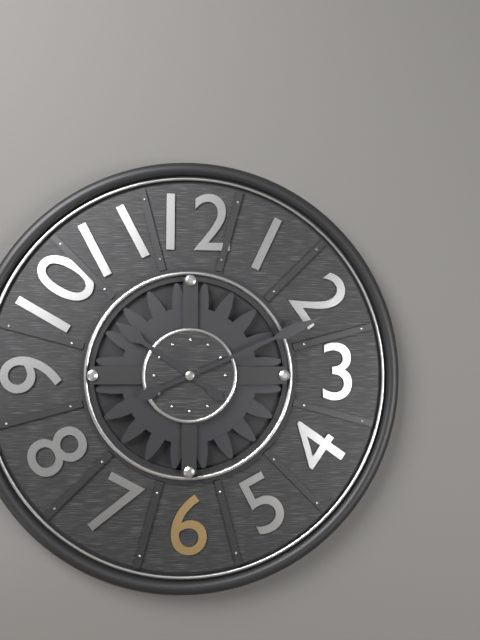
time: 10:11
